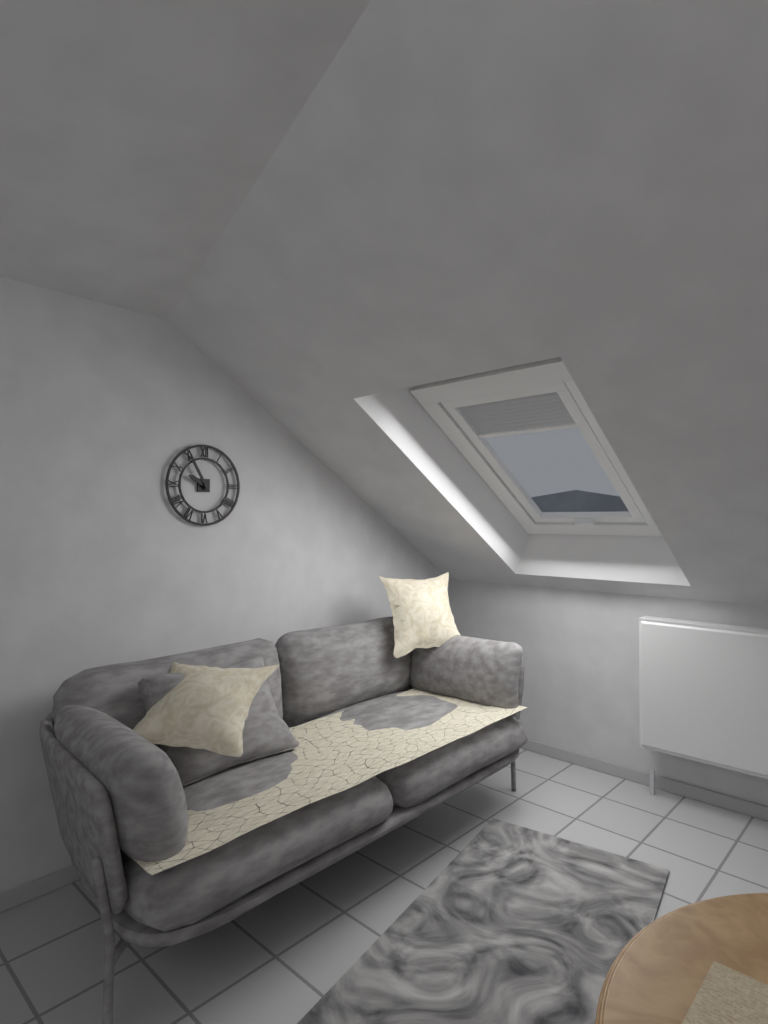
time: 9:55
